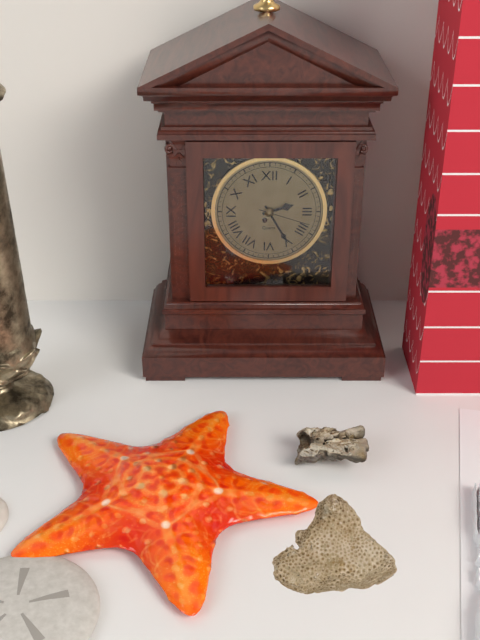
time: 2:25:18
